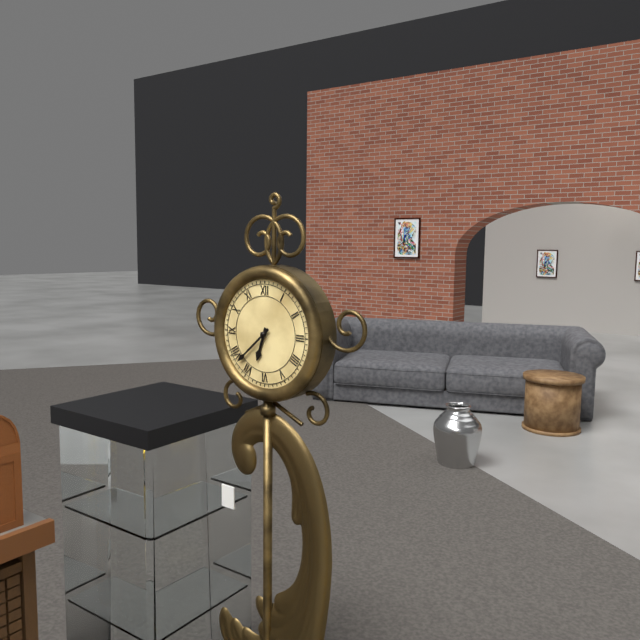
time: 6:38
